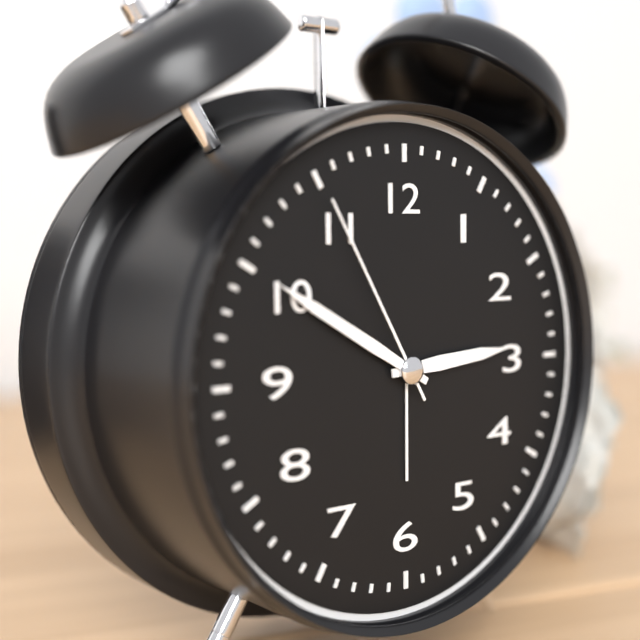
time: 2:50:55
